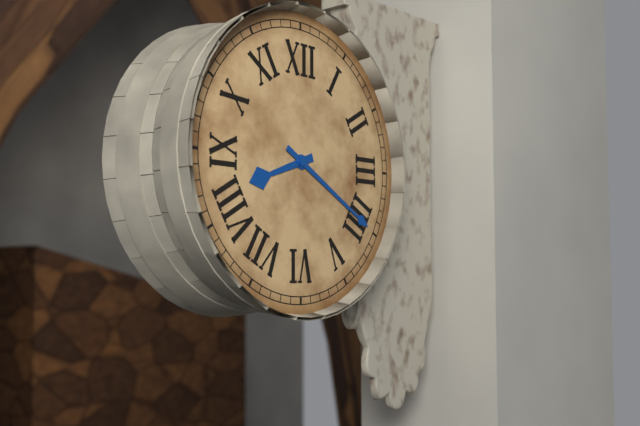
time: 8:20
